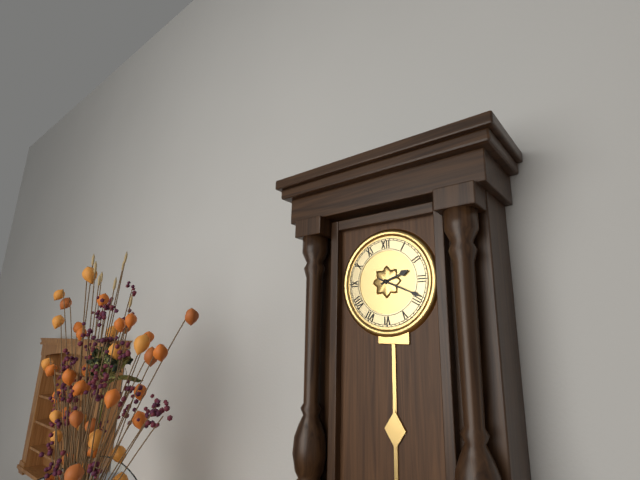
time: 2:19
